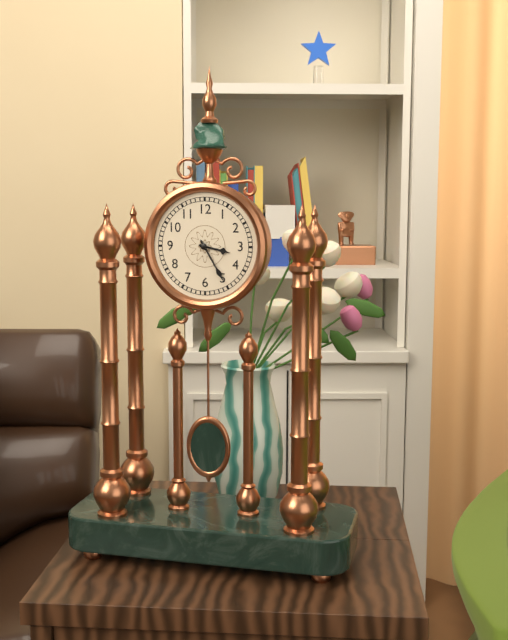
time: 3:25
